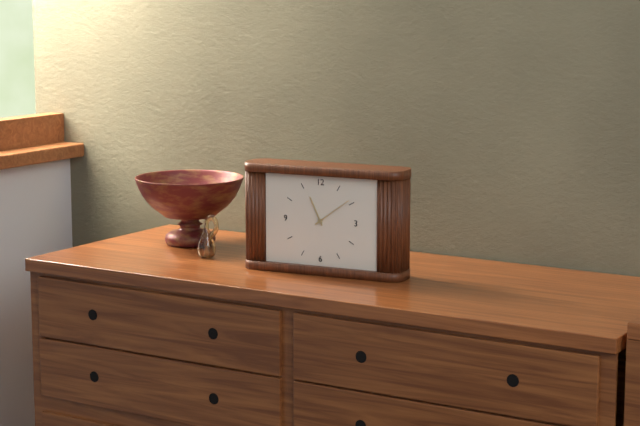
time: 11:09
